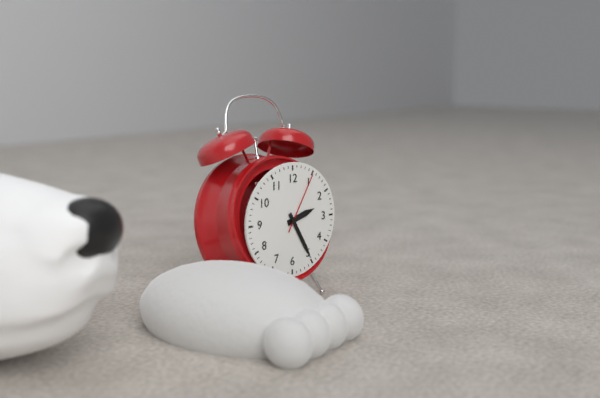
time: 2:25:05
